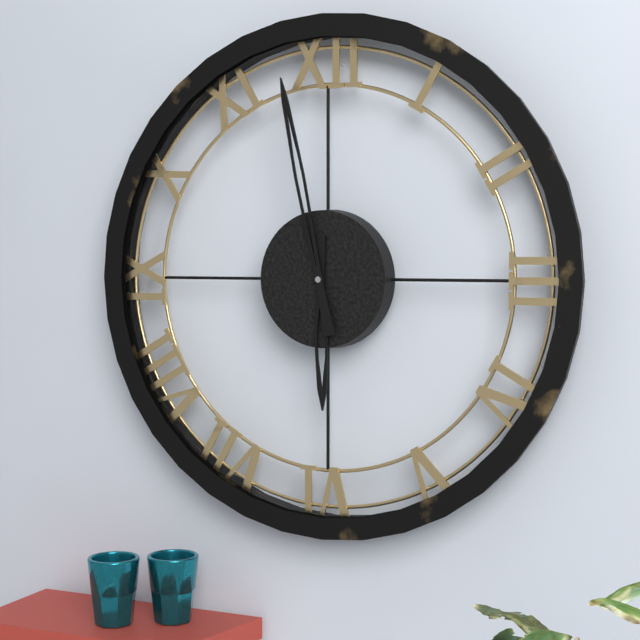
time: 5:58
